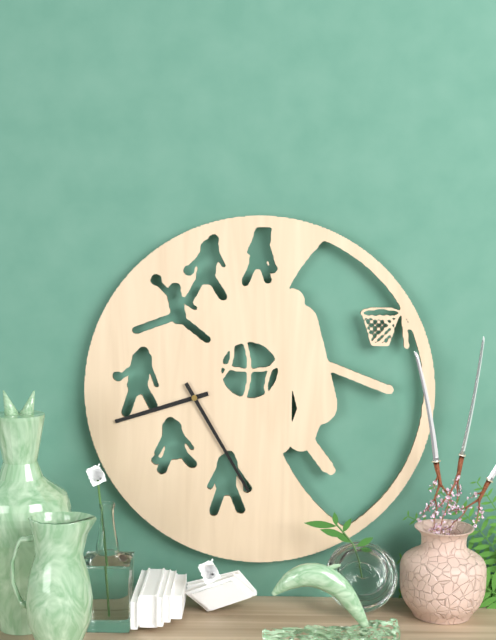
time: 8:25
